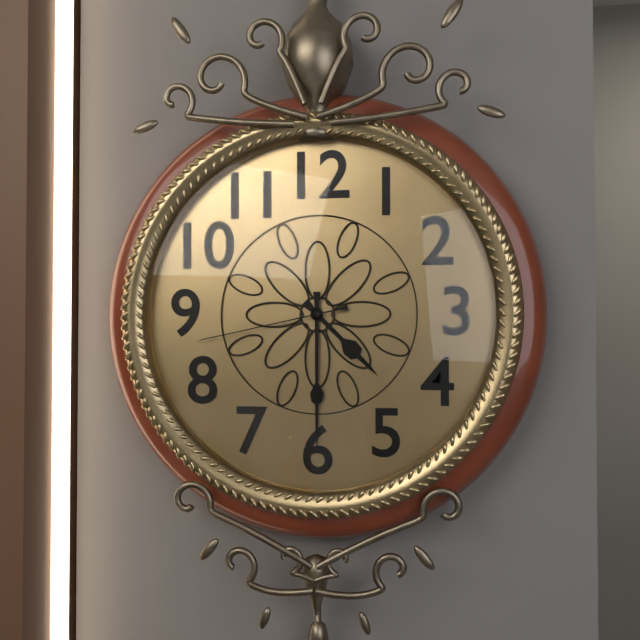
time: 4:30:43
